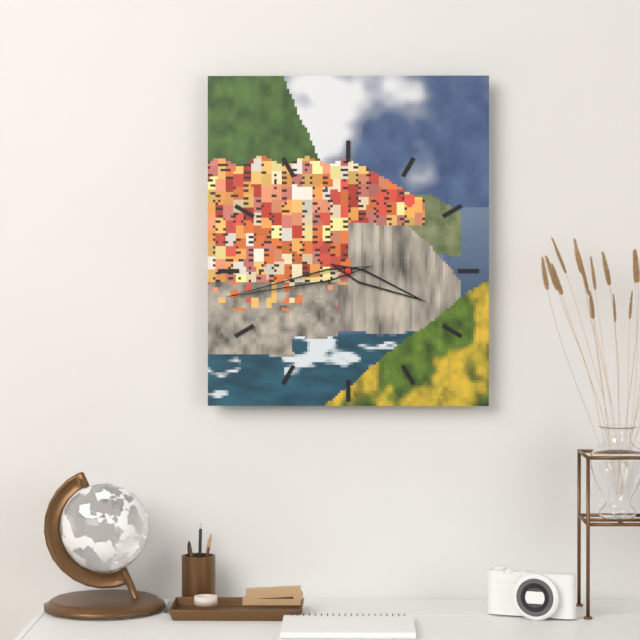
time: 3:43
